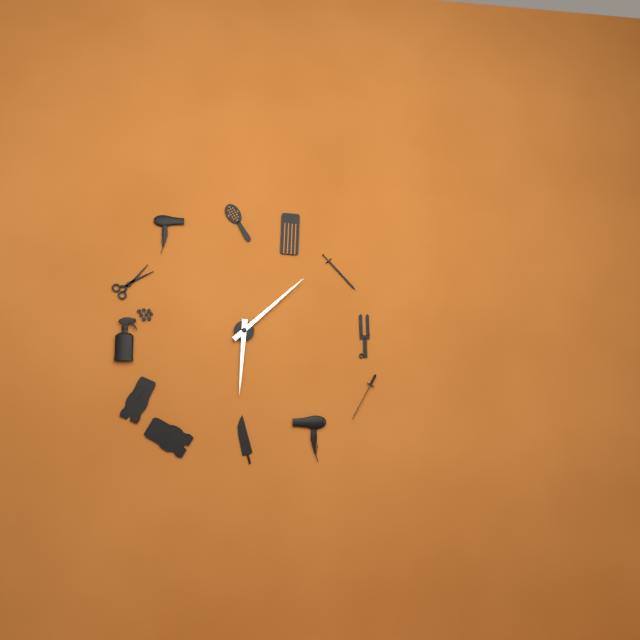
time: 6:08
